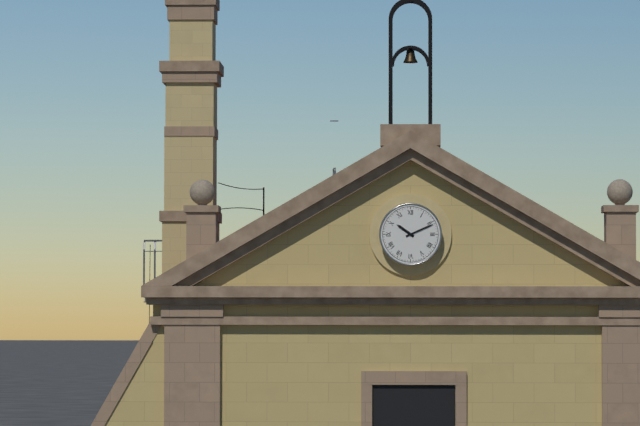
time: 10:11
